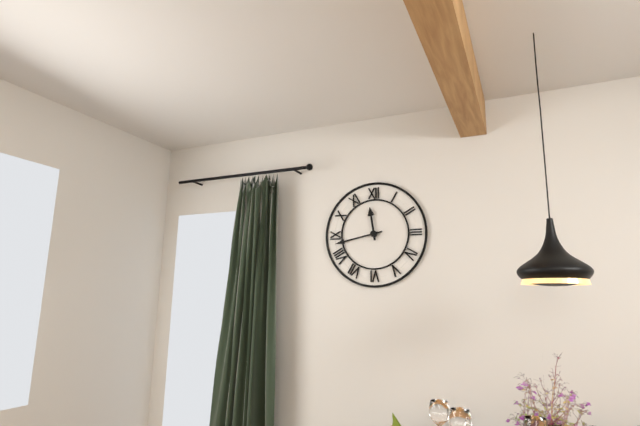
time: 11:43
